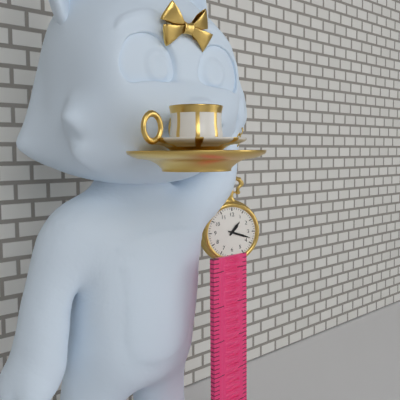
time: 1:18
